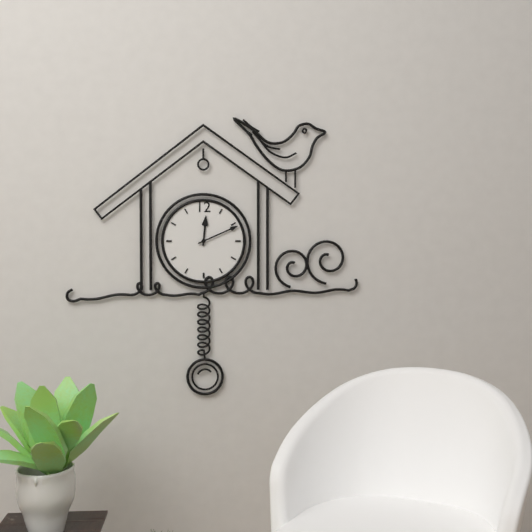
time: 12:11
